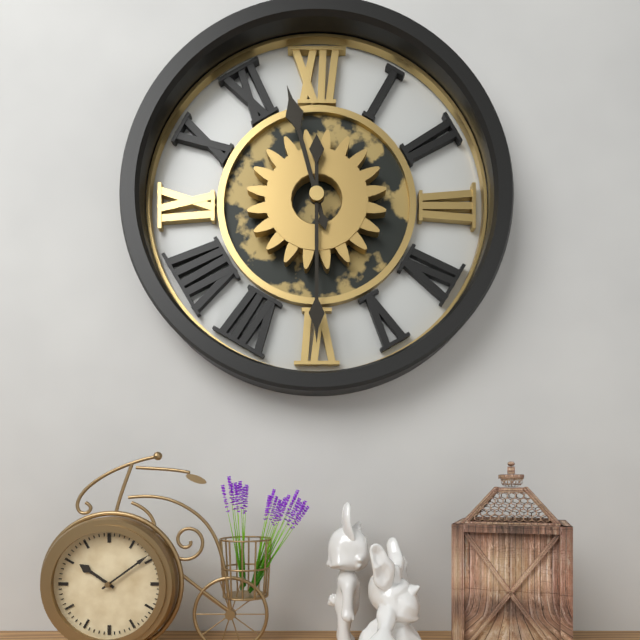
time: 11:30
